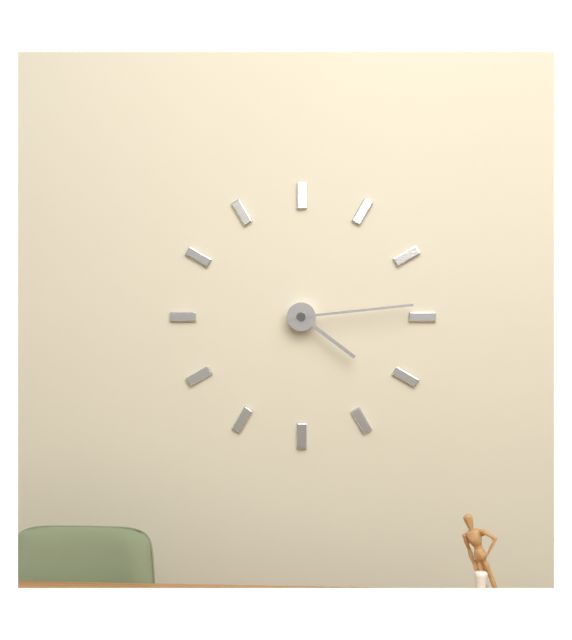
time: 4:14
